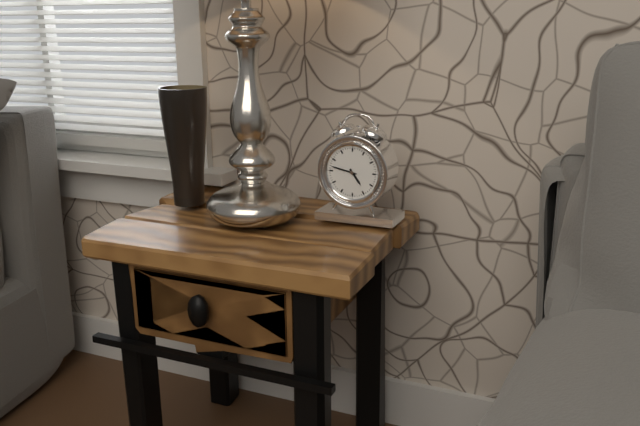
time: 4:47
